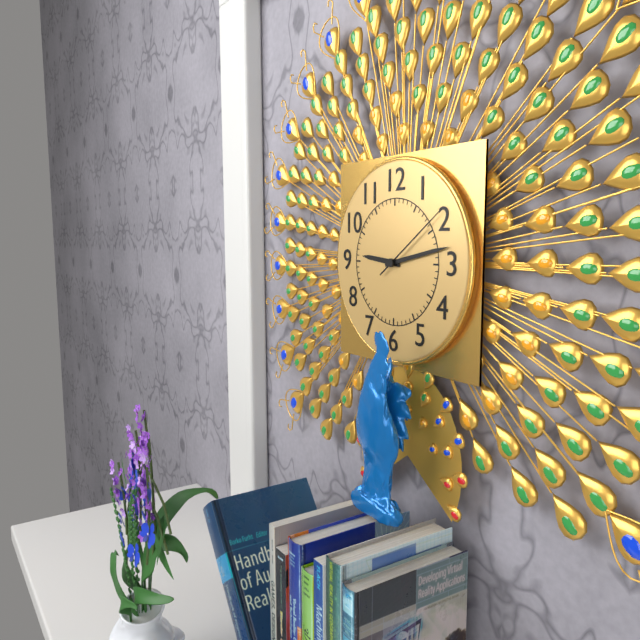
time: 9:13:09
